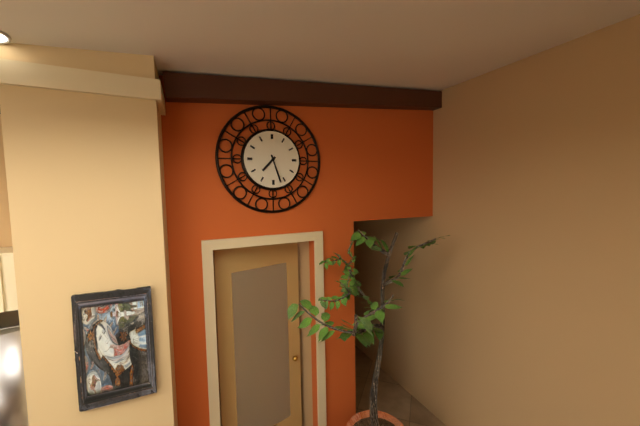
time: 7:27
